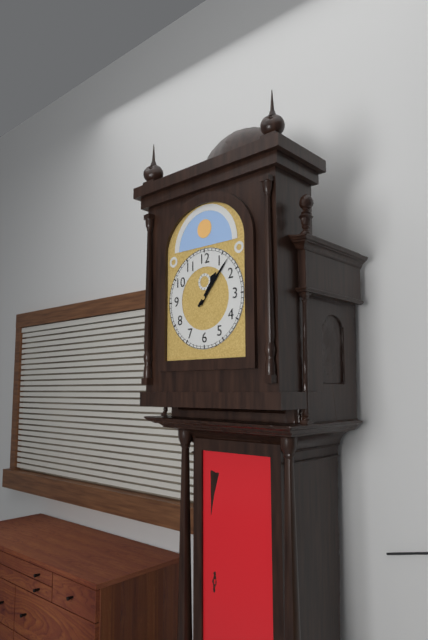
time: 1:07
